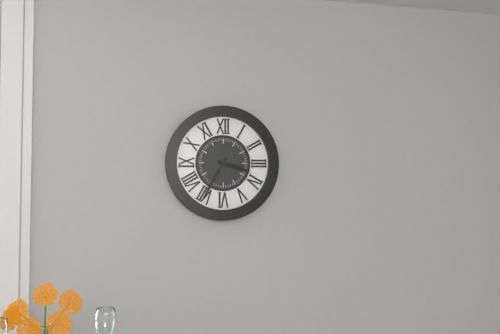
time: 3:35
